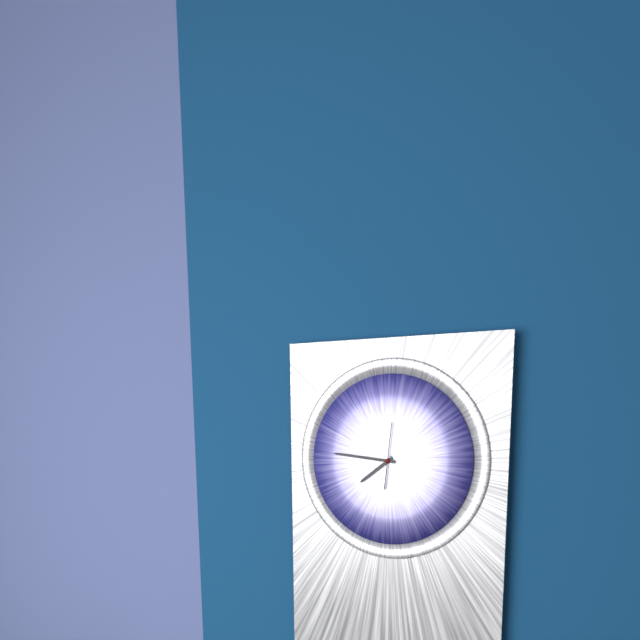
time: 7:46
